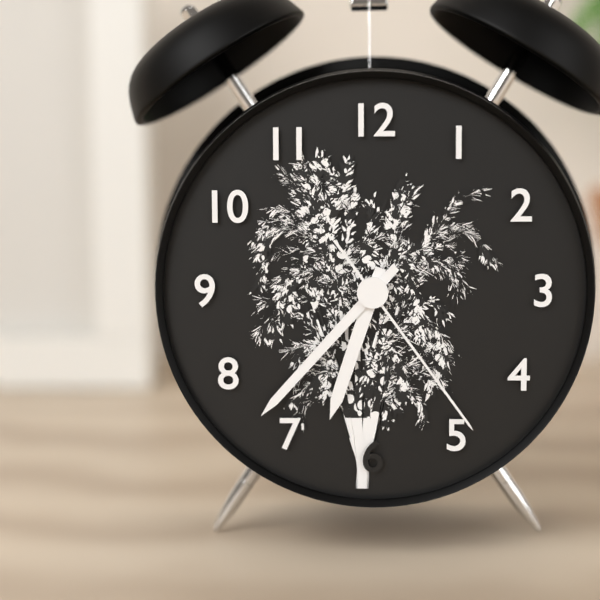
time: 6:37:24
